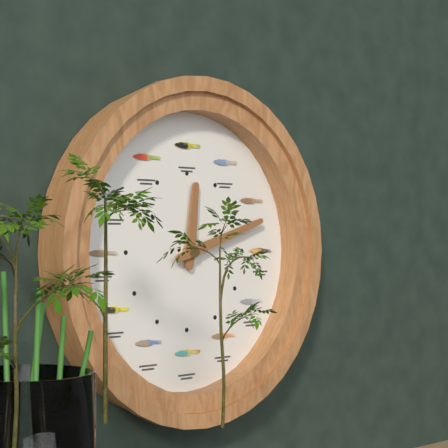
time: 12:12
